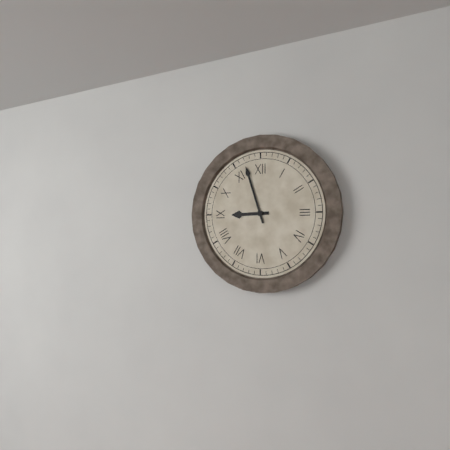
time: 8:57
